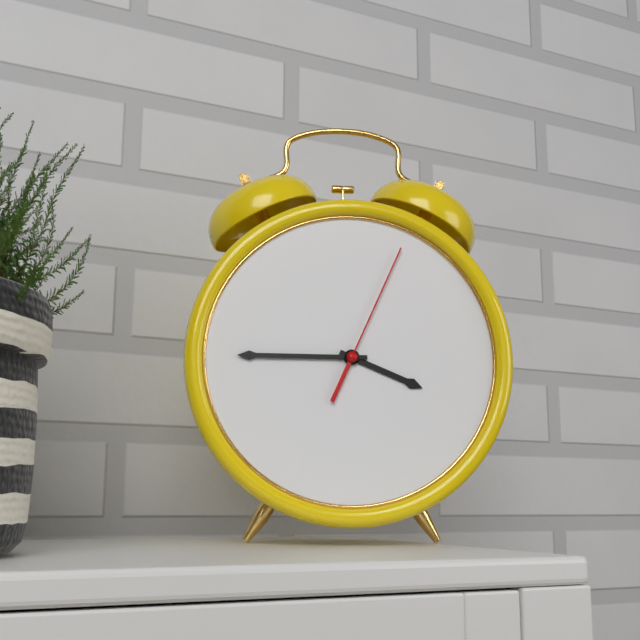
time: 3:45:04
